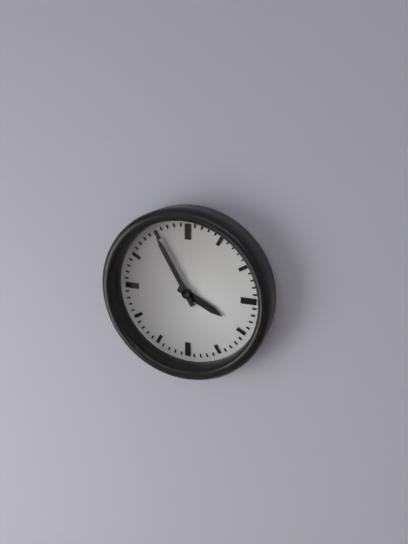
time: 3:55
